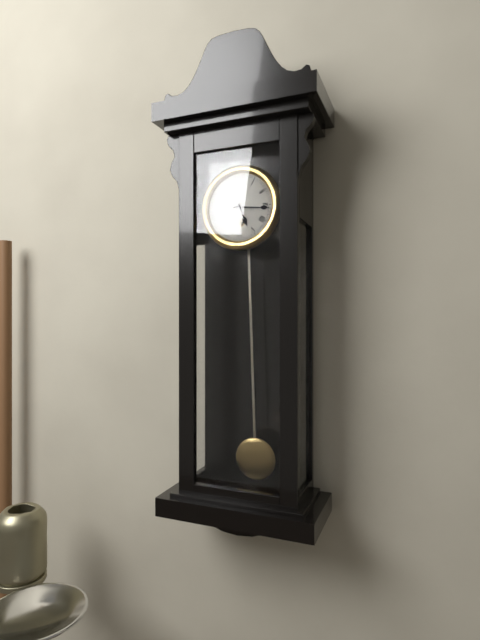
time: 5:16
